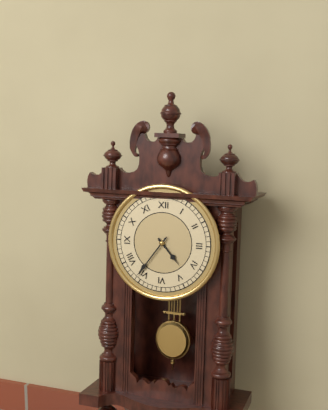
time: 4:36
